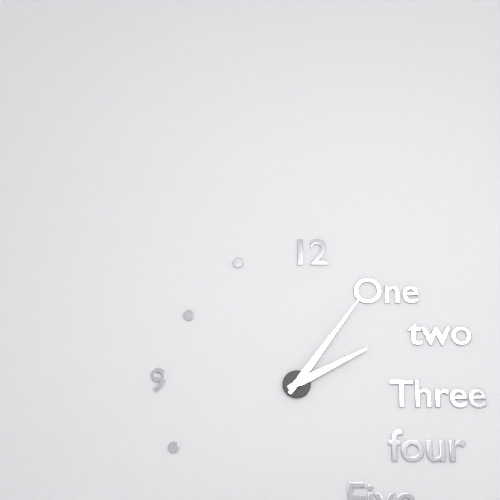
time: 2:06
